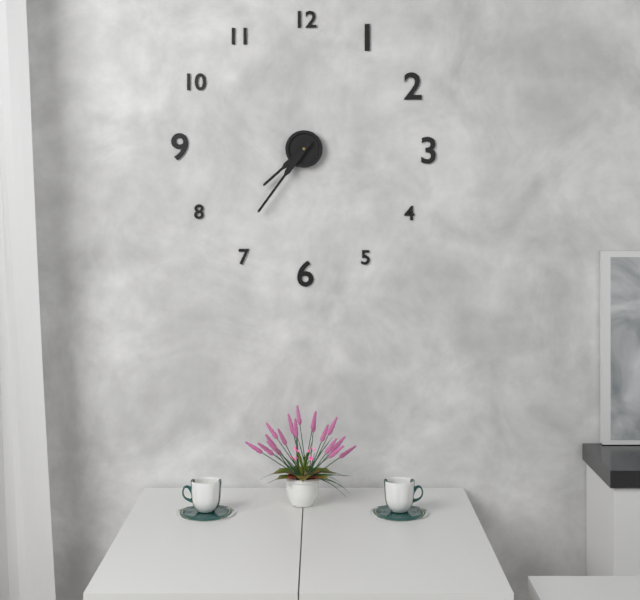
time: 7:36
